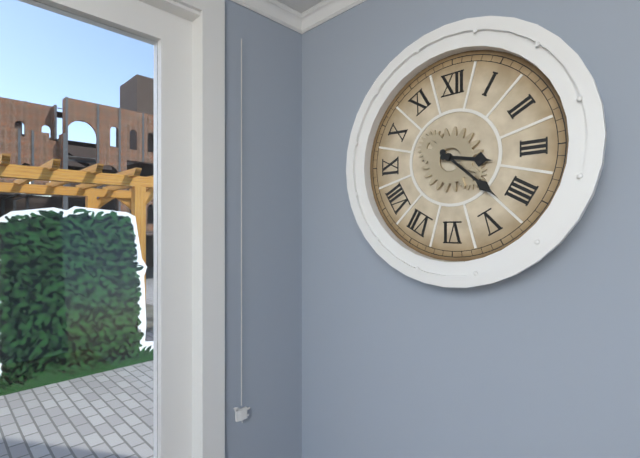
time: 3:22
